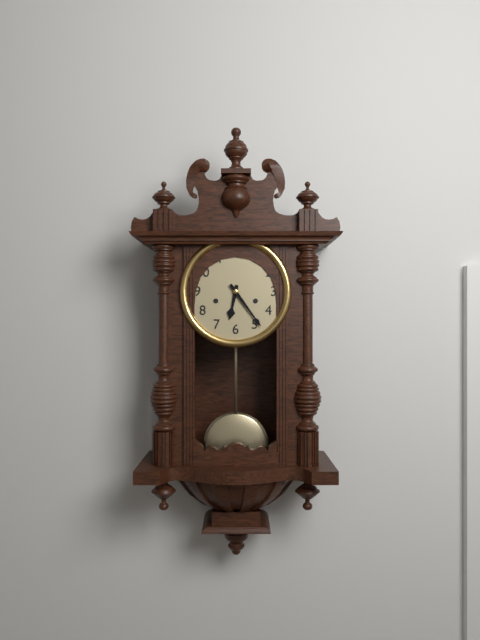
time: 6:24
